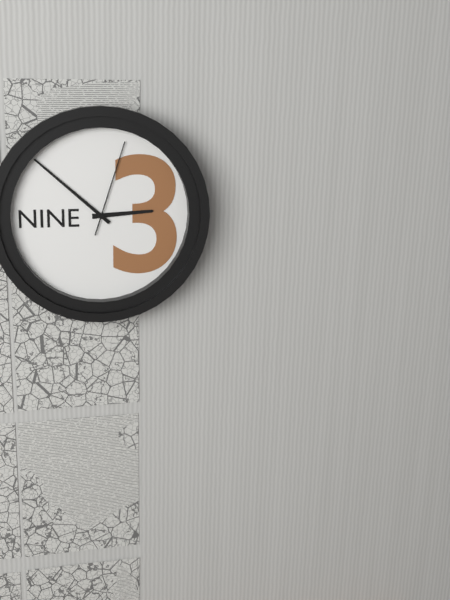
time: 2:52:03
